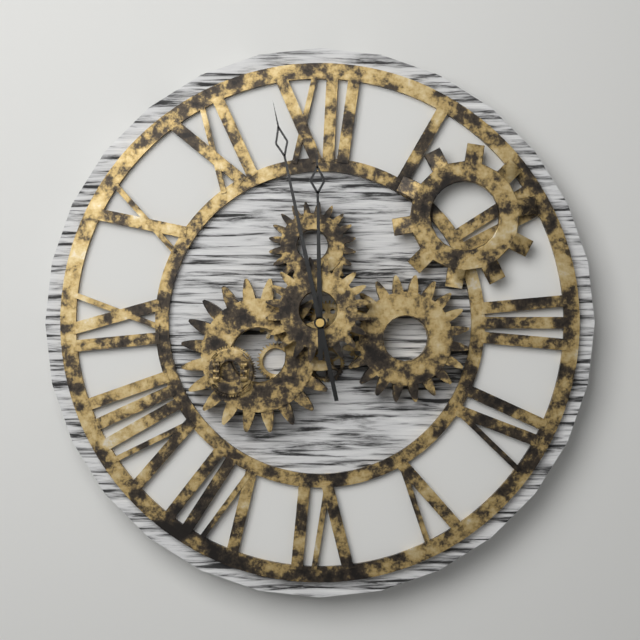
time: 11:58
